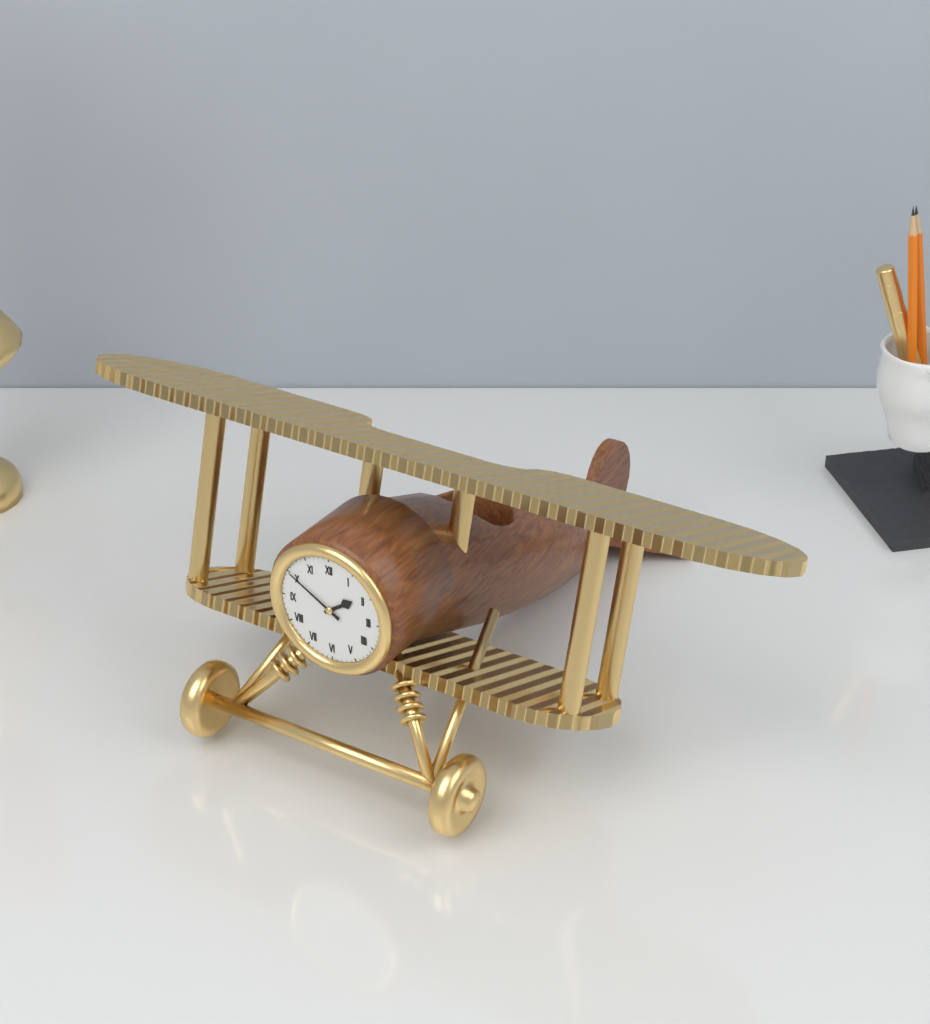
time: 1:50
